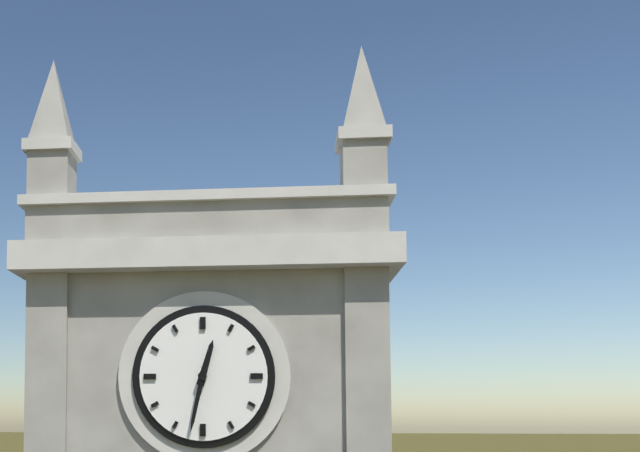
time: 12:32
